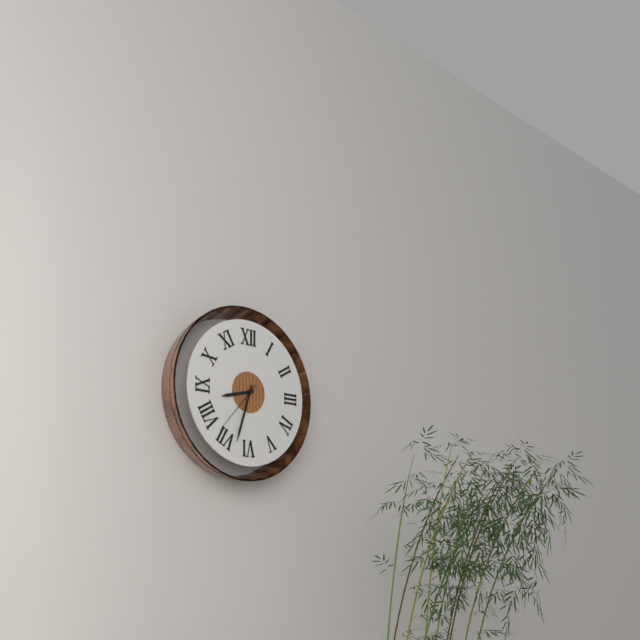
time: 8:33:37
